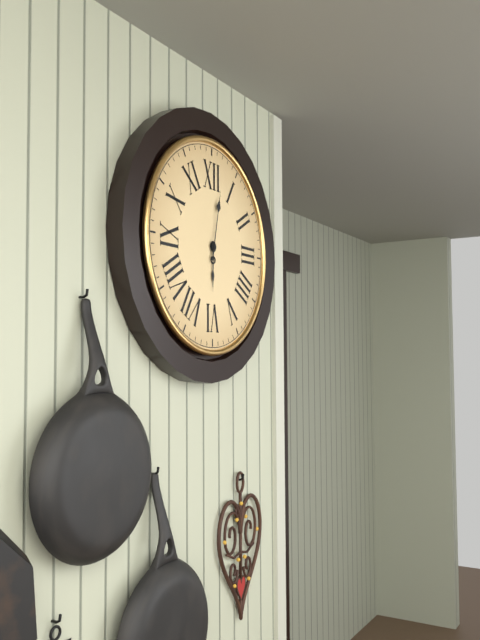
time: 6:02
